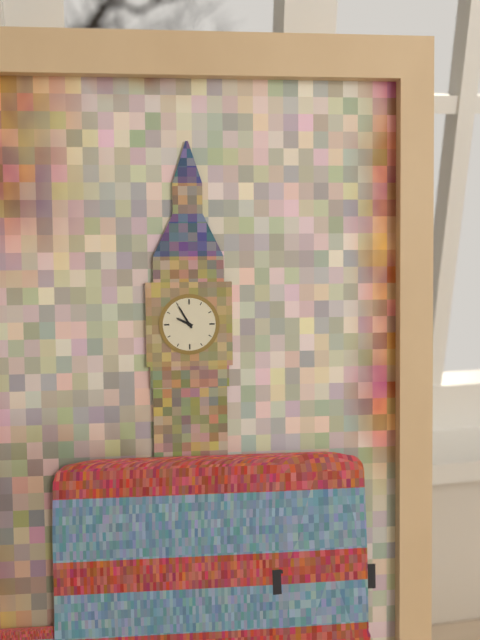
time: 9:55
